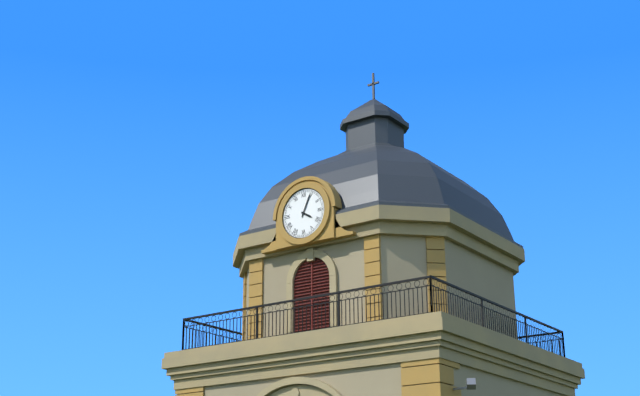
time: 4:04
